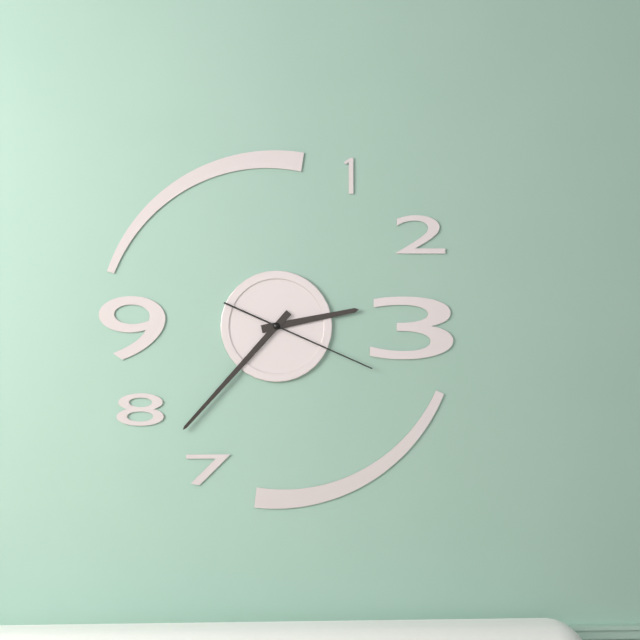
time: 2:37:19
